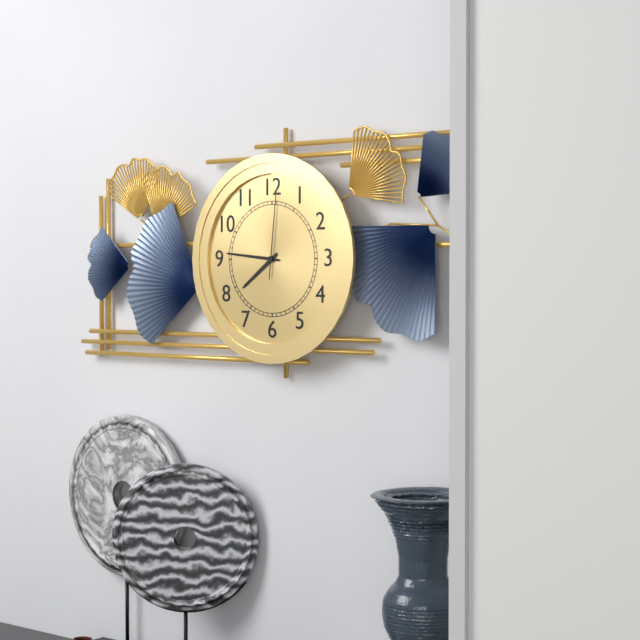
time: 7:46:01
